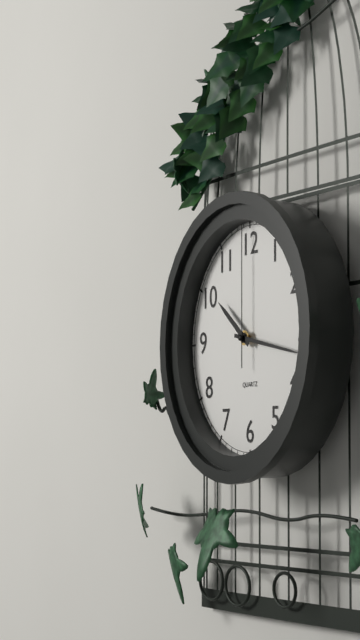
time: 10:17:00
